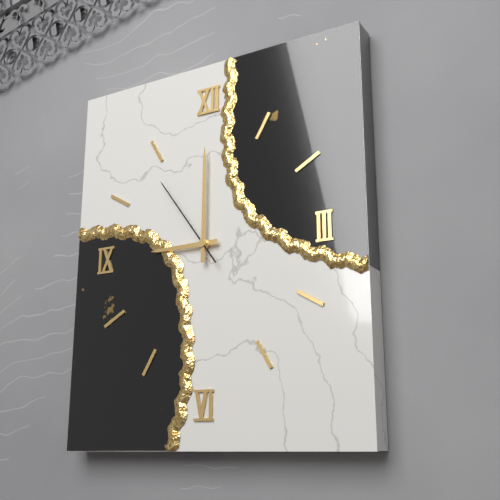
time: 9:00:54
